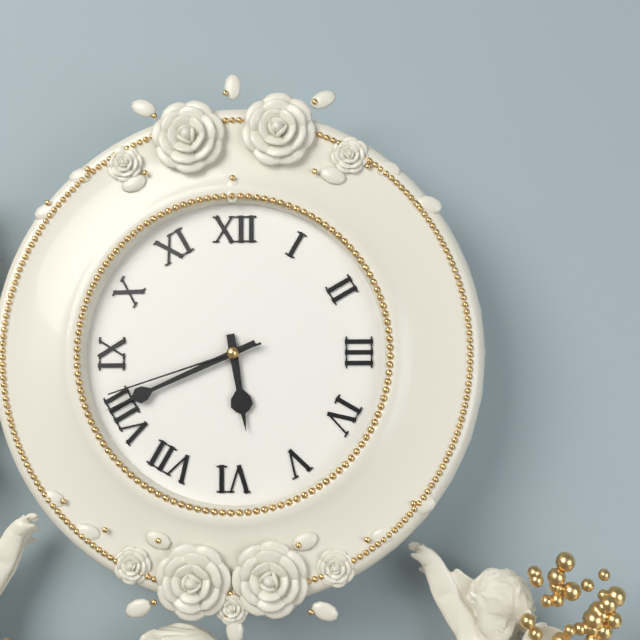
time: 5:41:42
